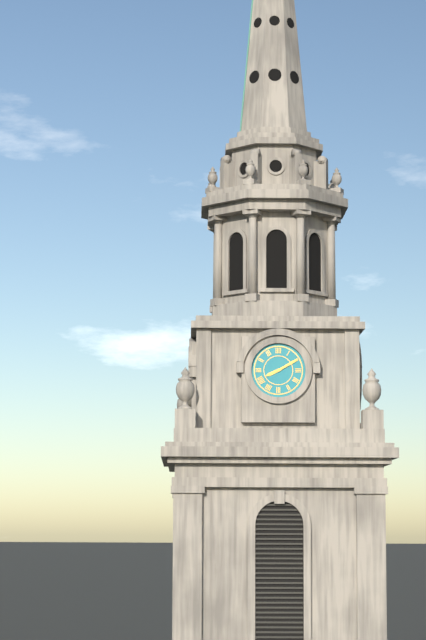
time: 8:10
